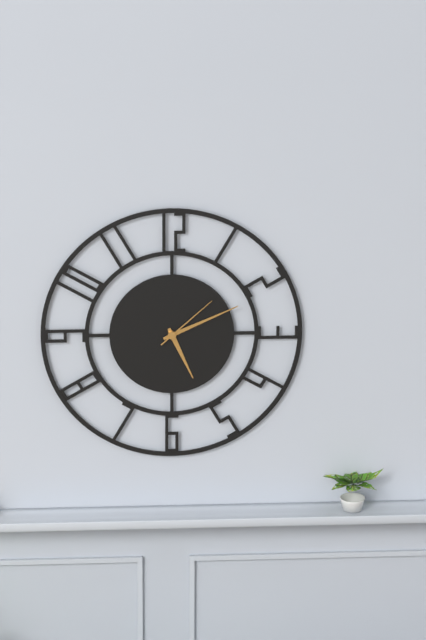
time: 5:11:08
